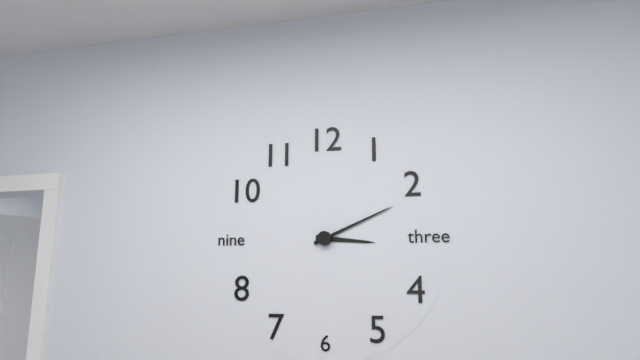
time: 3:11
